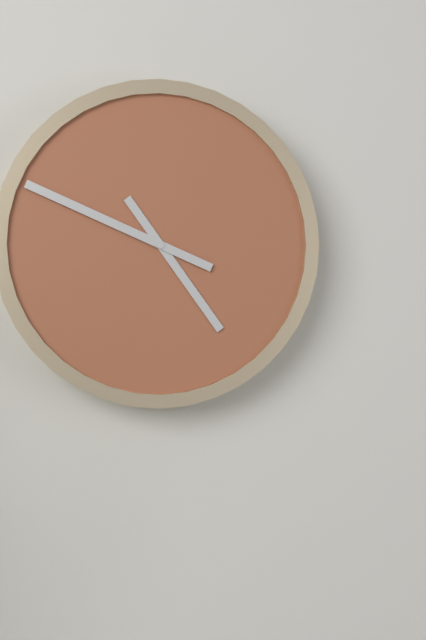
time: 4:49
